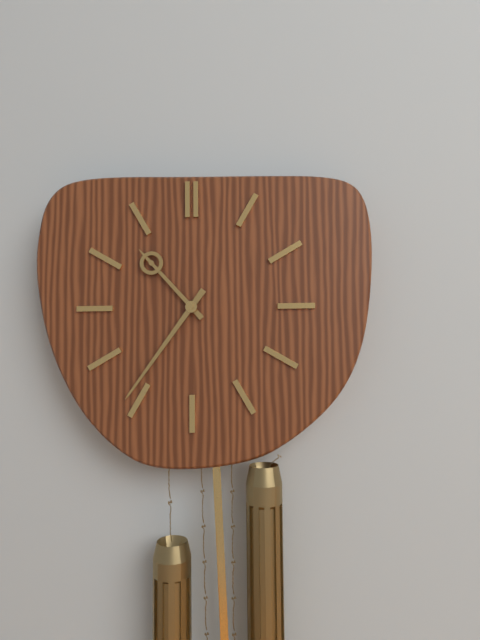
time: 10:36
